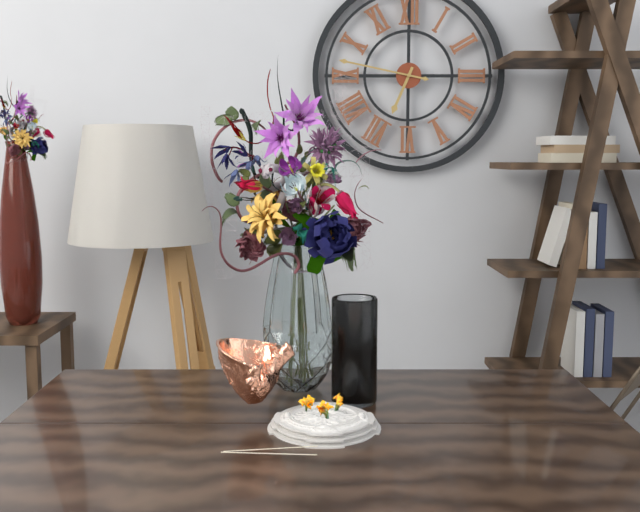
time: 6:47
